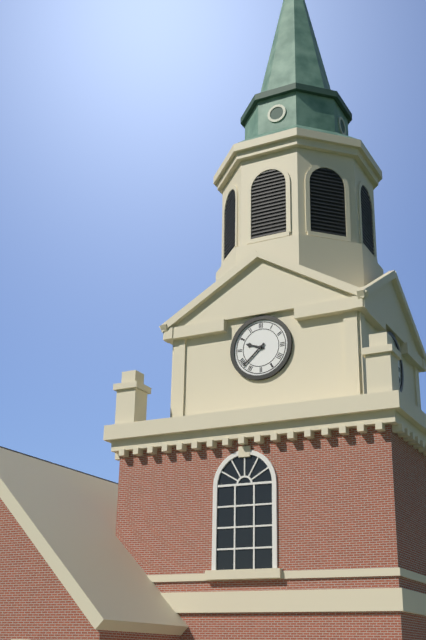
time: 9:38
